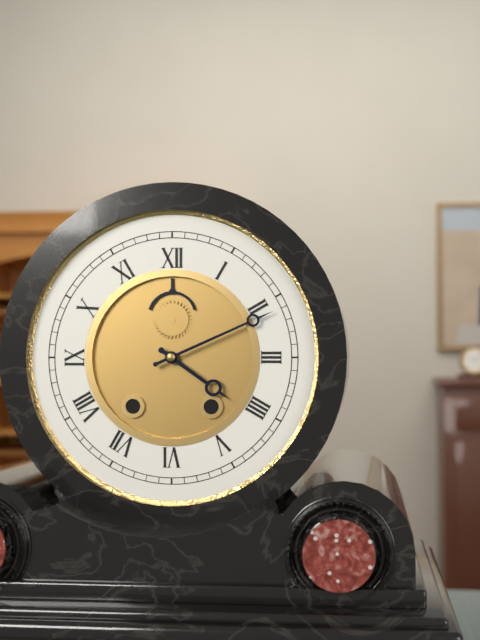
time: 4:11
